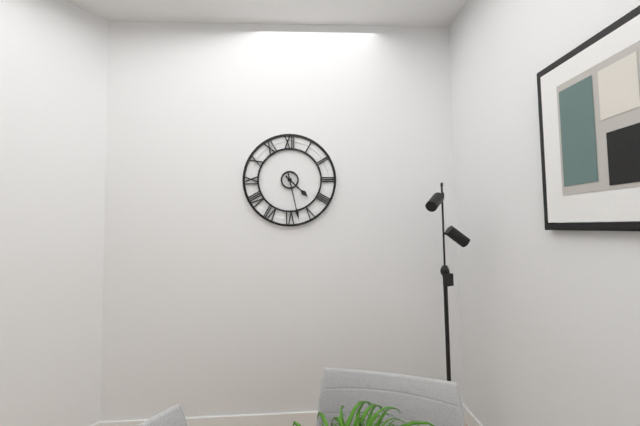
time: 4:28
